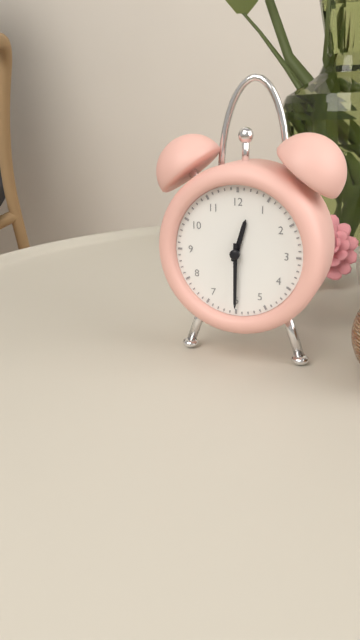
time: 12:30
